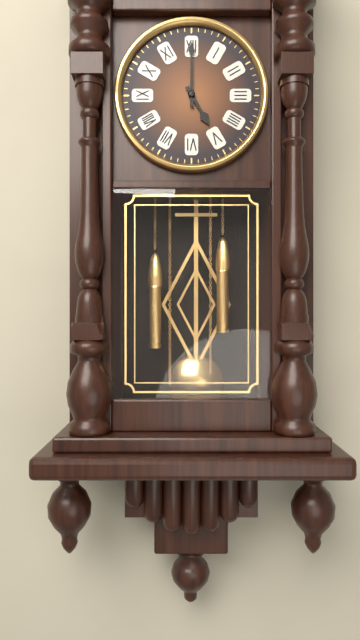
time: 5:00
